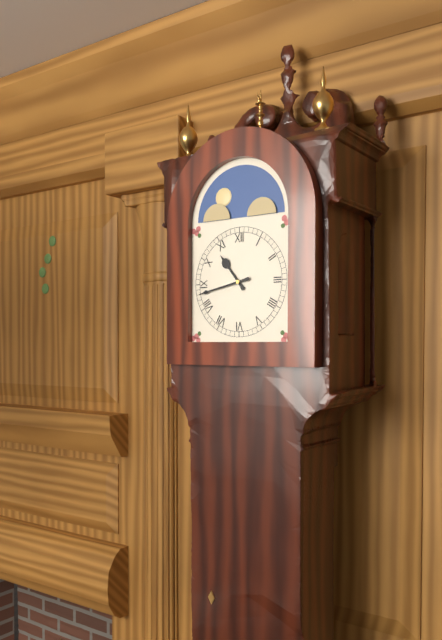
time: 10:43
